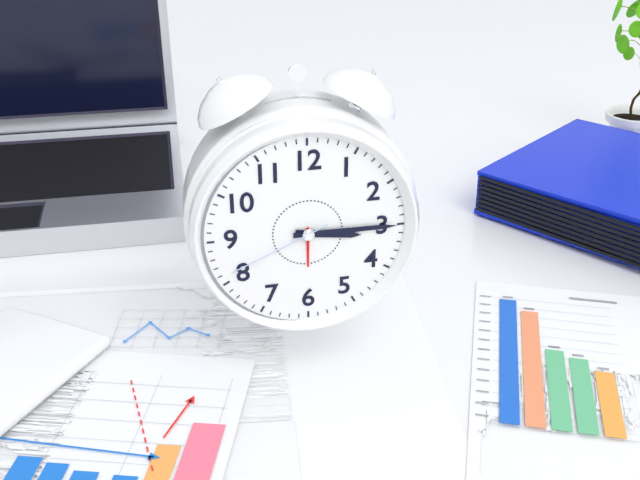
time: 3:15:41
